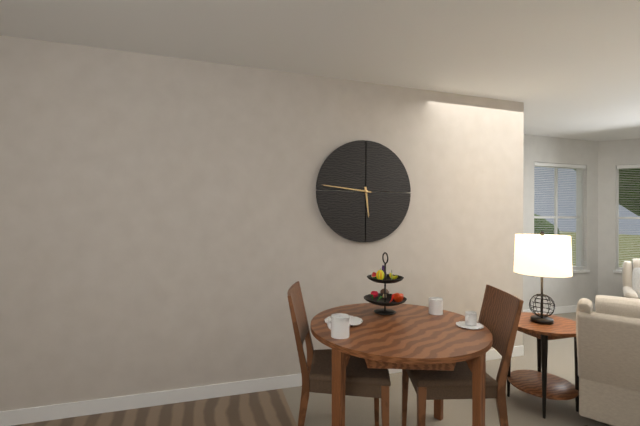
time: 5:46
